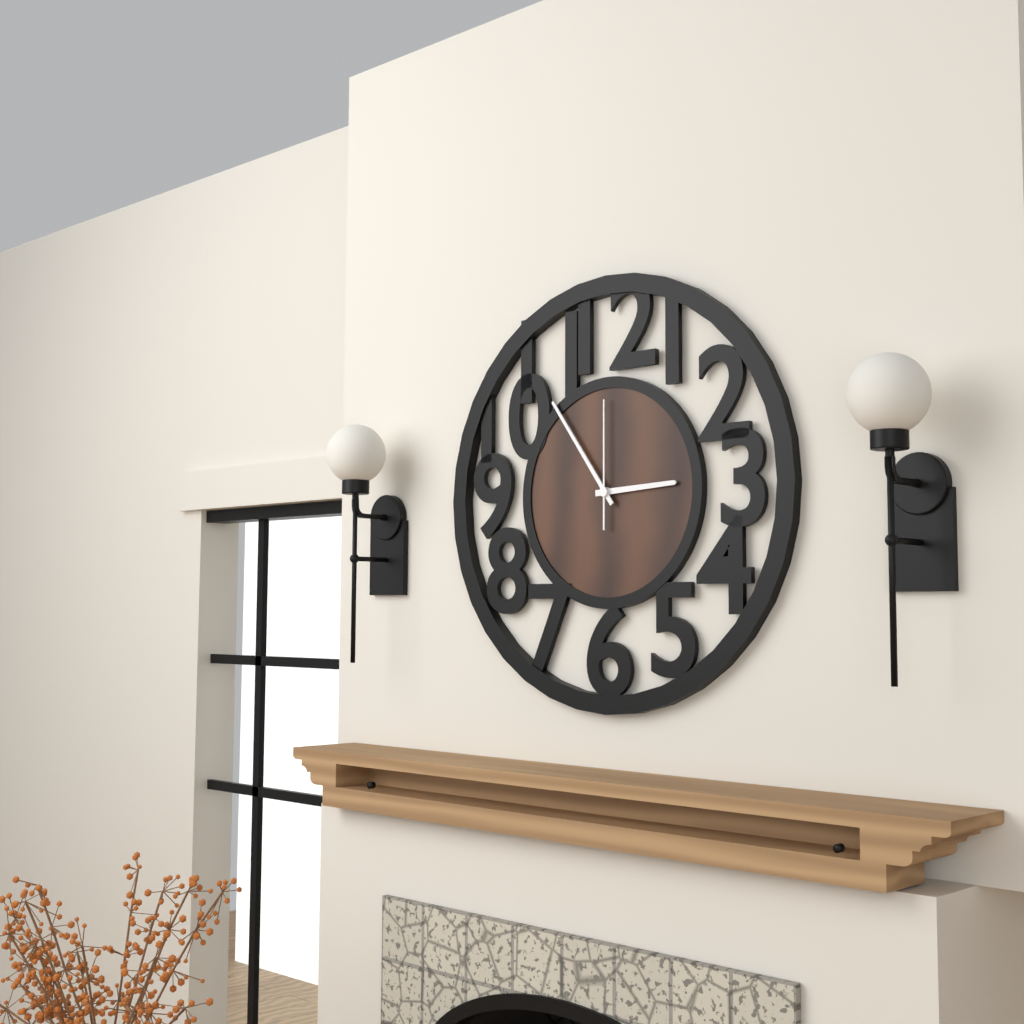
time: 2:54:00
